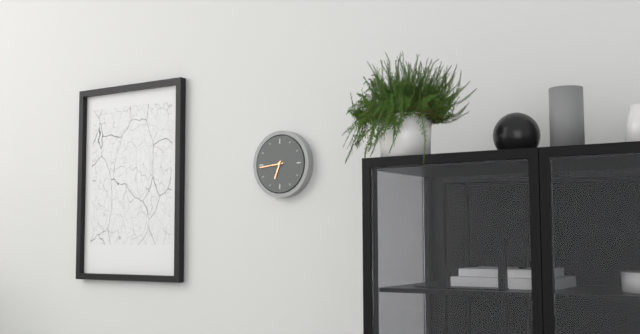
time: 6:44
